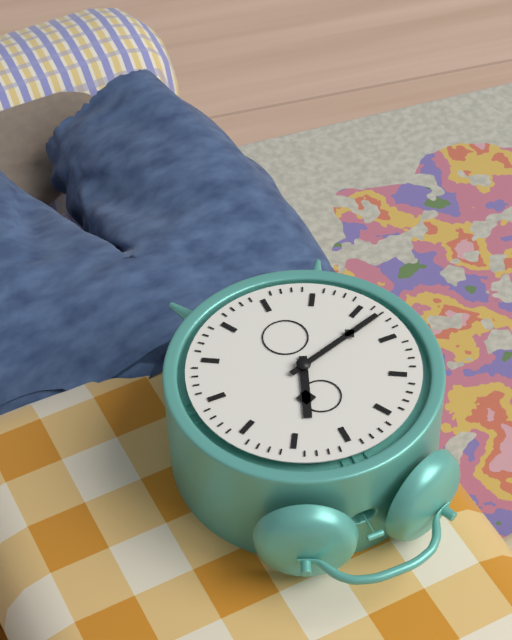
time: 12:42
